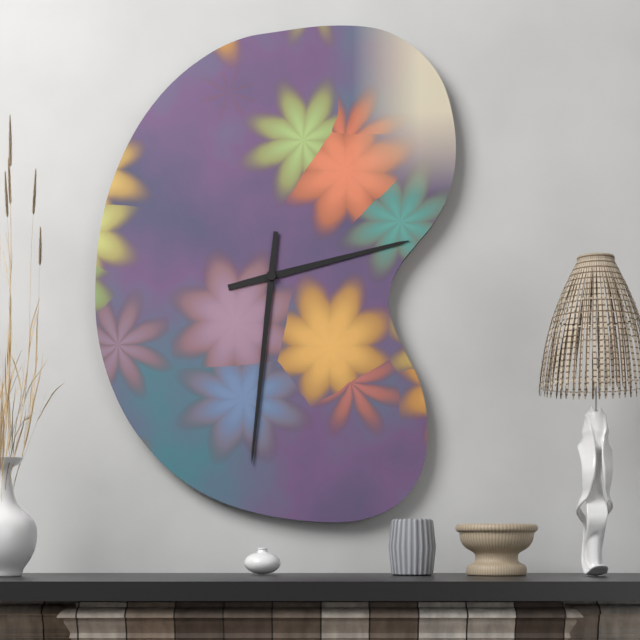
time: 2:31
